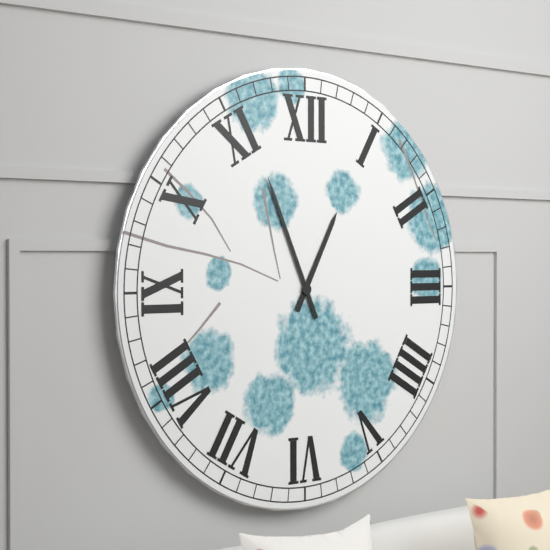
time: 12:56
